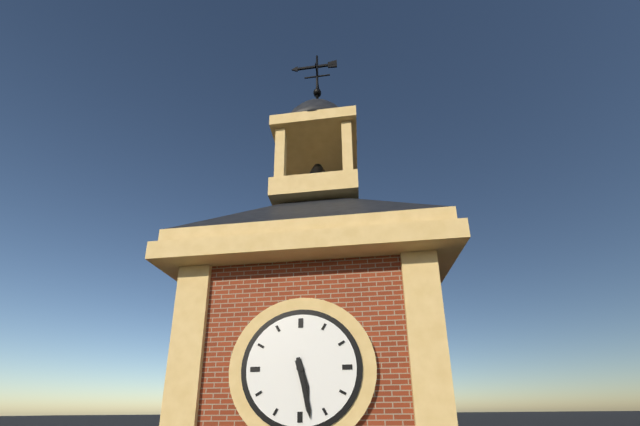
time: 5:28
